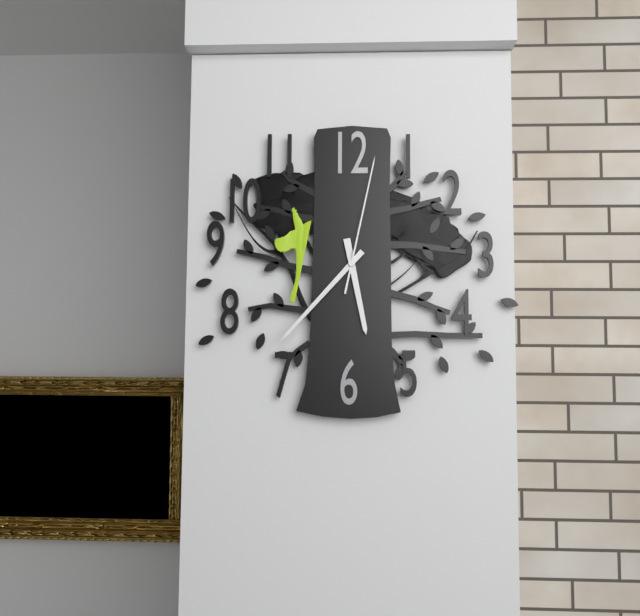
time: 5:37:02
